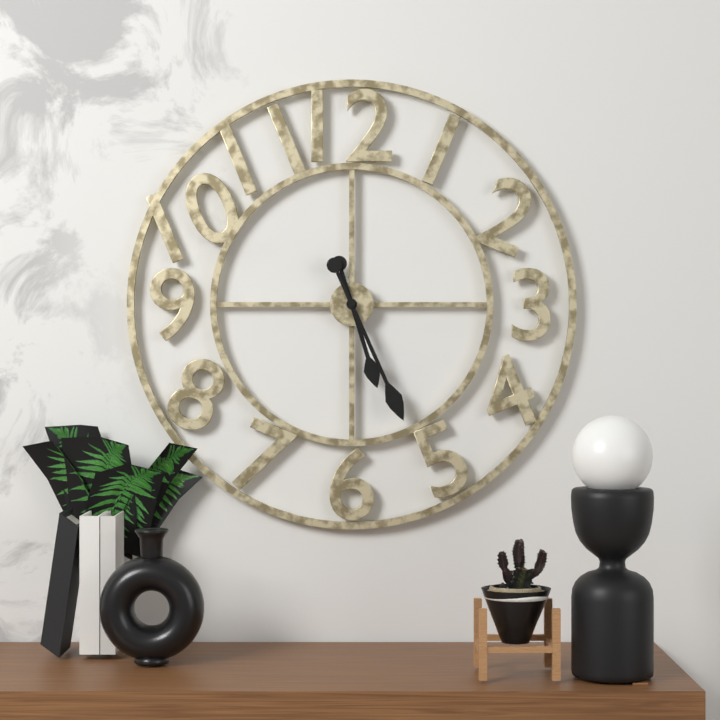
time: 5:26
